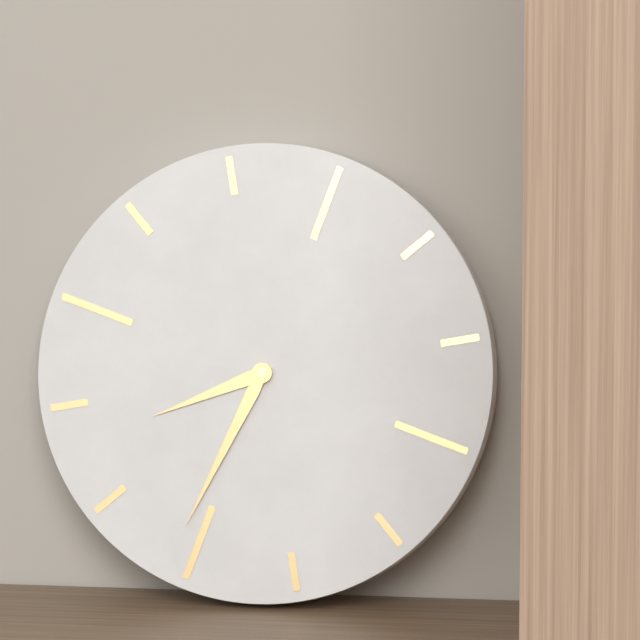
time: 8:36
